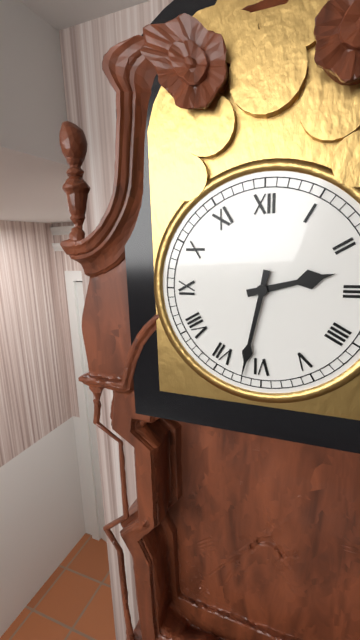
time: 2:32
